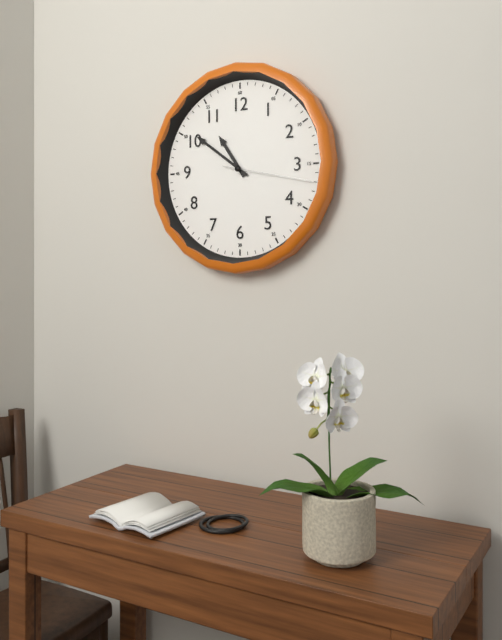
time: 10:51:17
